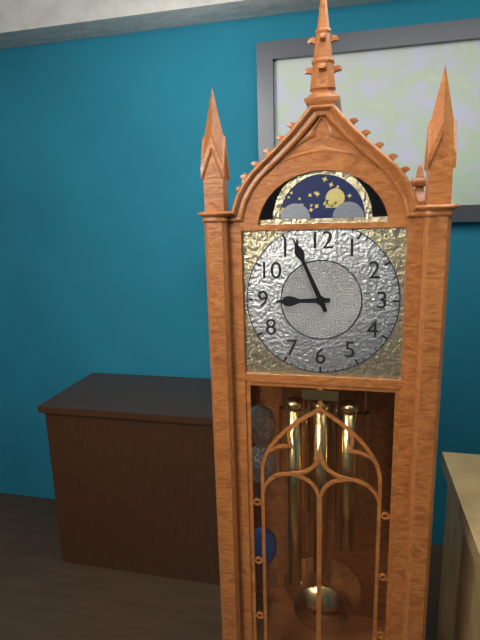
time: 8:56
